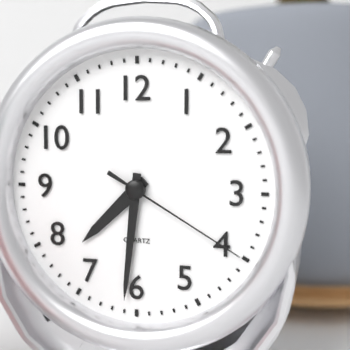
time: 7:31:20
